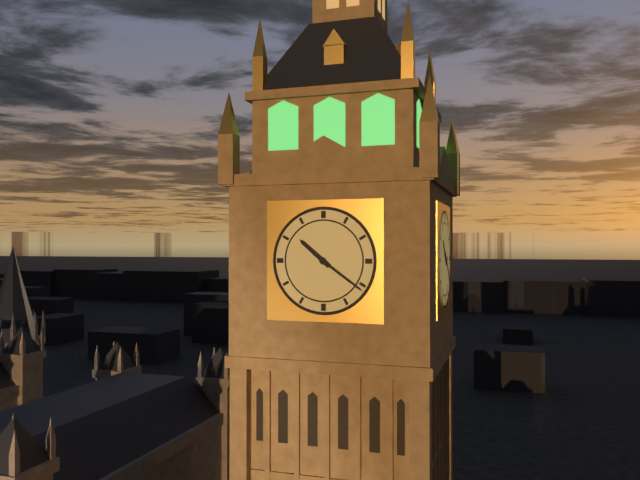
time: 10:21
